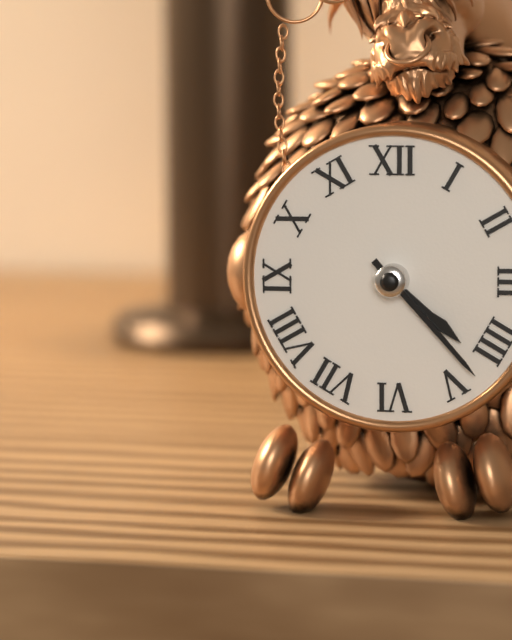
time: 4:23
